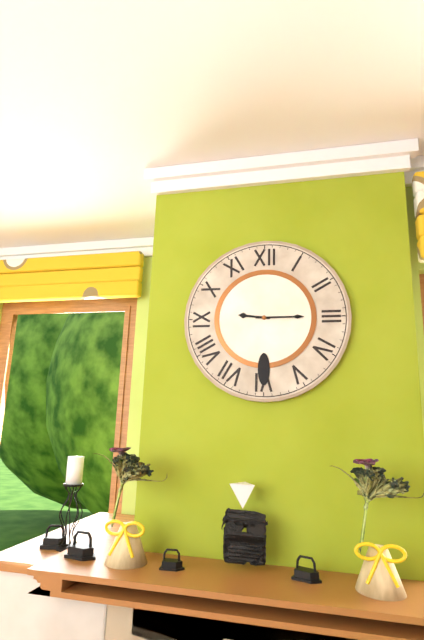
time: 9:15
